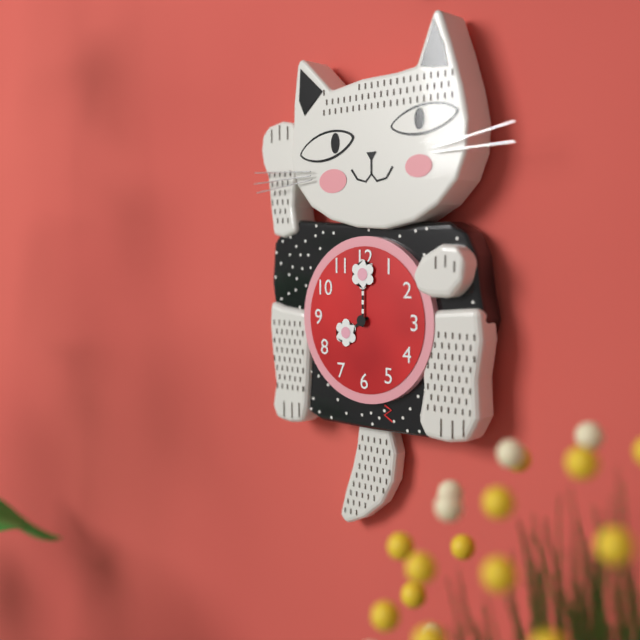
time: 8:00
